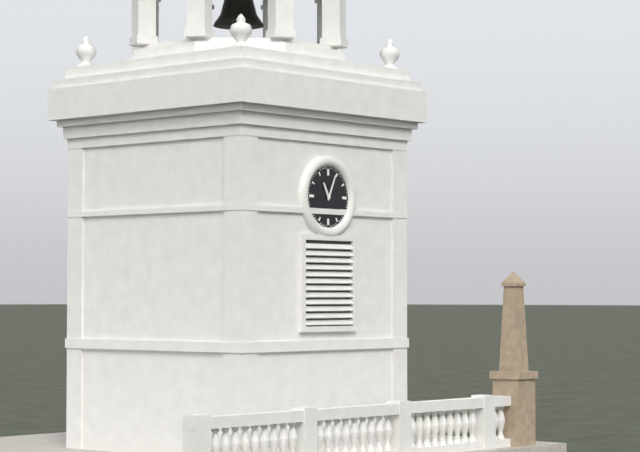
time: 11:04
